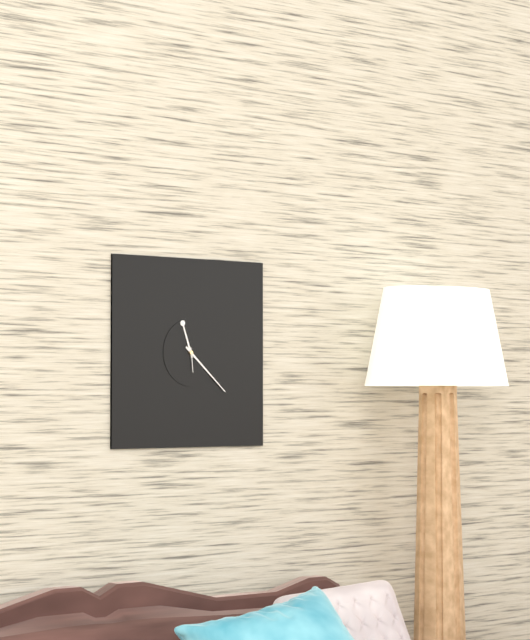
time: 11:22
